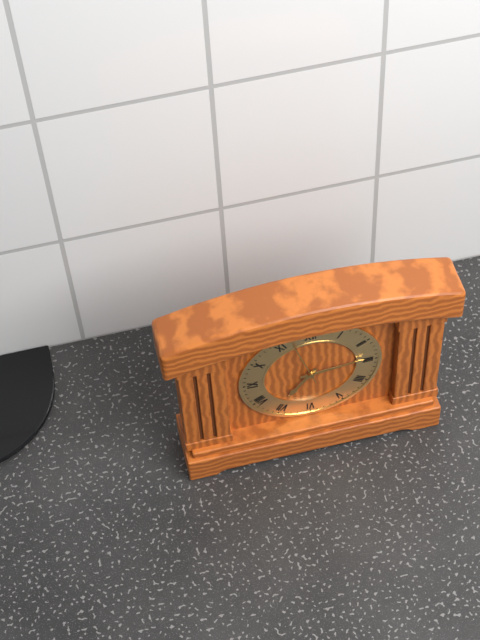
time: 7:14
